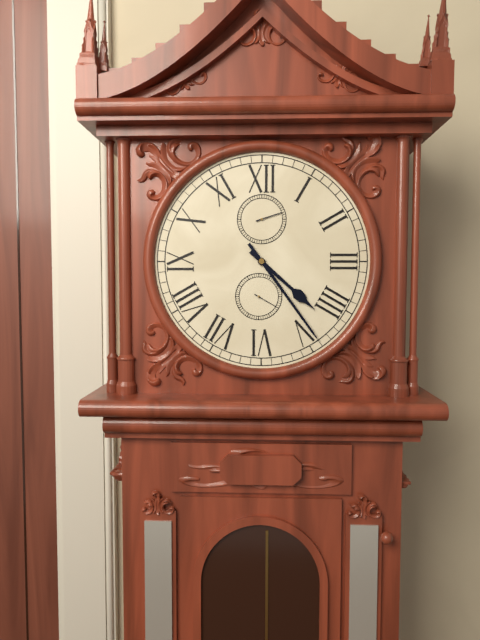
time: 4:24
